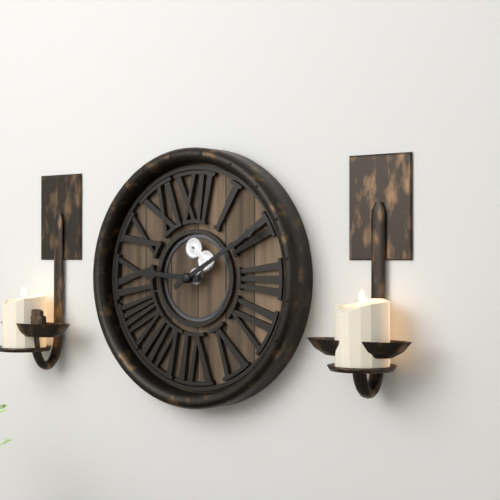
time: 9:10
